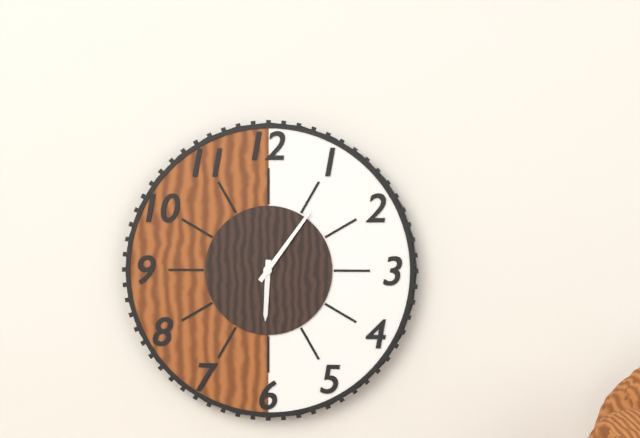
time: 6:06
